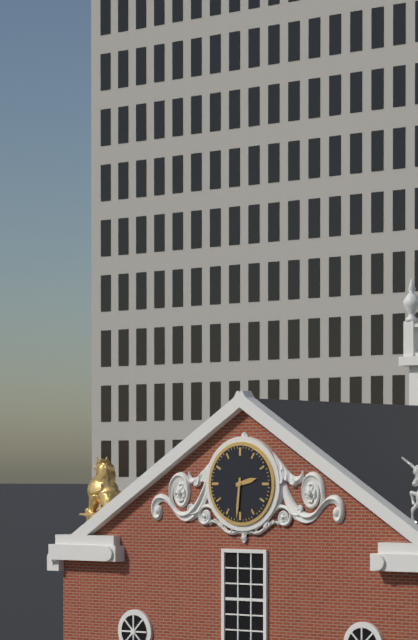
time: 2:31
